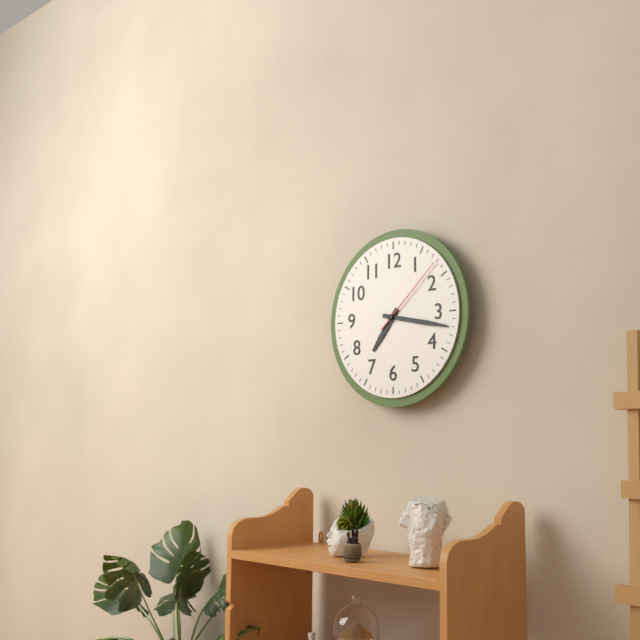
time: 7:17:08
